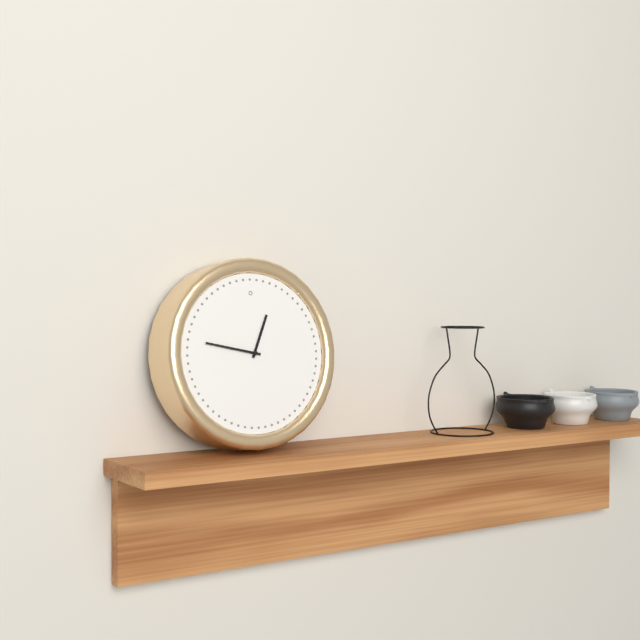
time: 12:47
